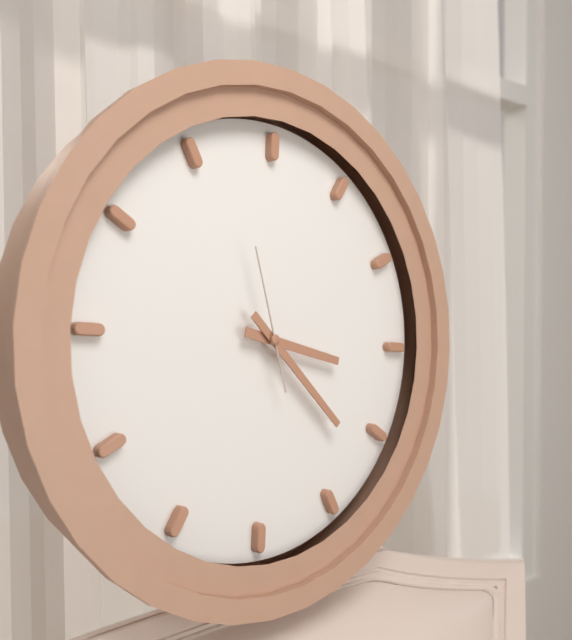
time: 3:22:57
